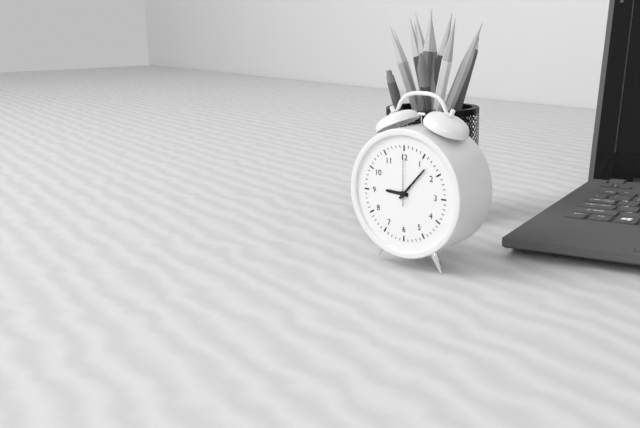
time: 9:07:00
